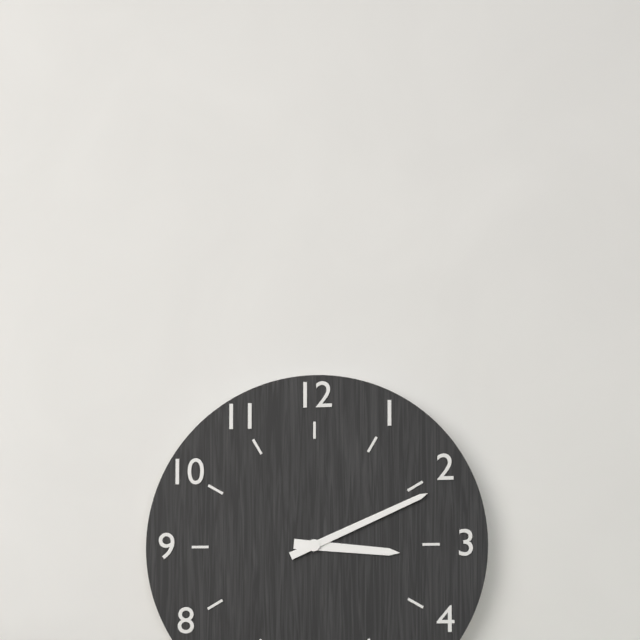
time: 3:11
